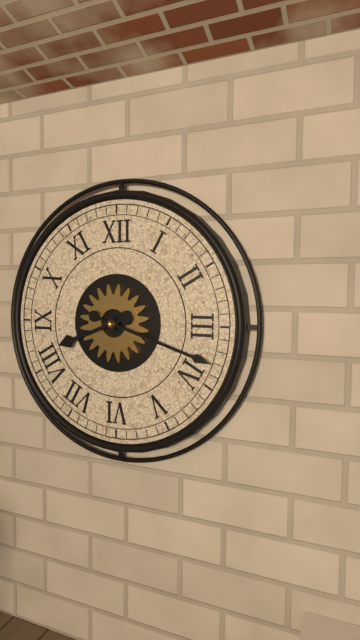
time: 8:18
